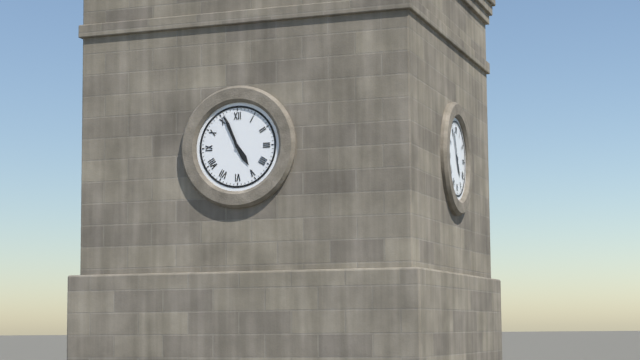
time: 4:56
